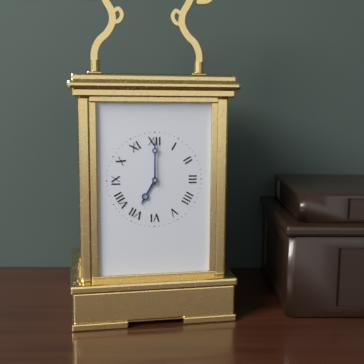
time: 7:00
